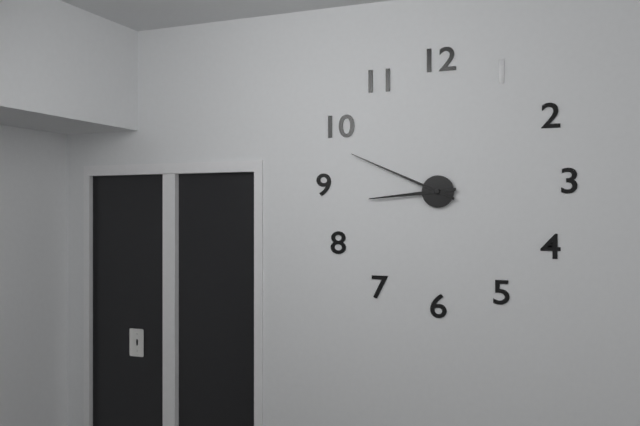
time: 8:49
